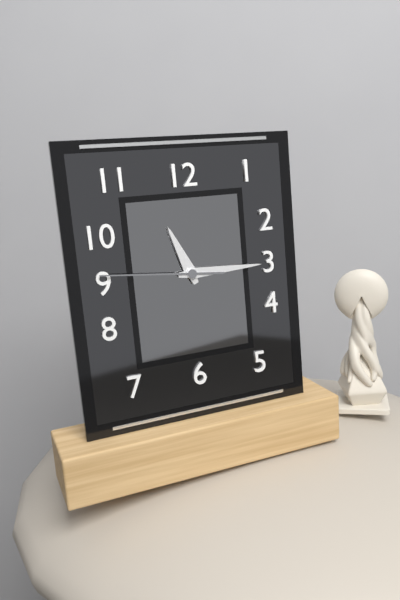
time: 11:15:46
